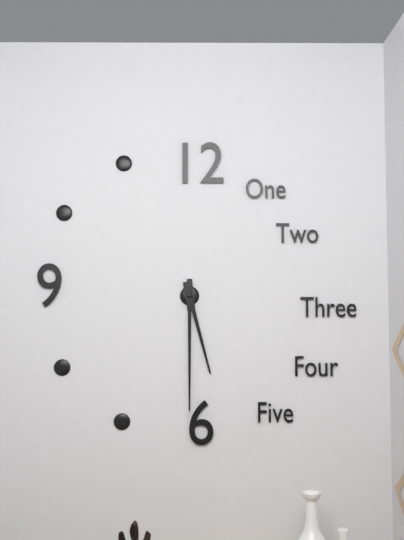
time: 5:30
